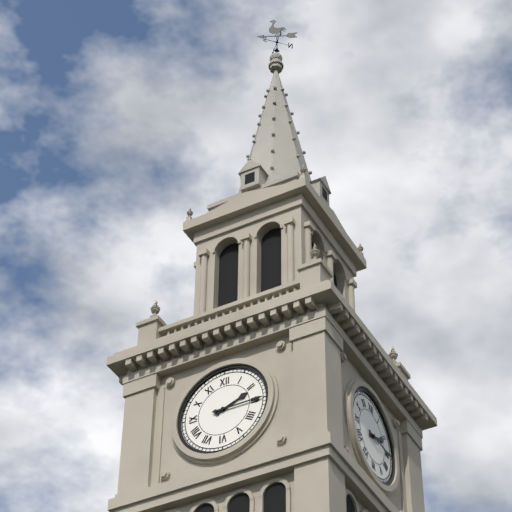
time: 2:15
